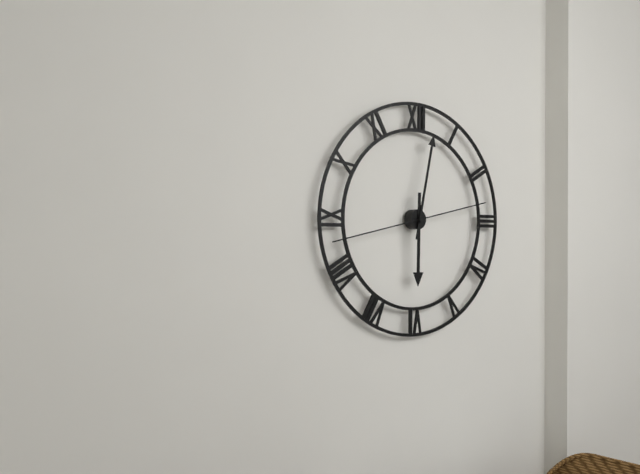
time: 6:02:43
